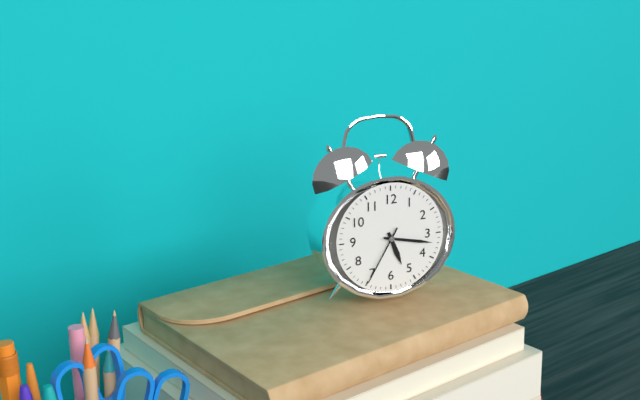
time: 5:17:35
